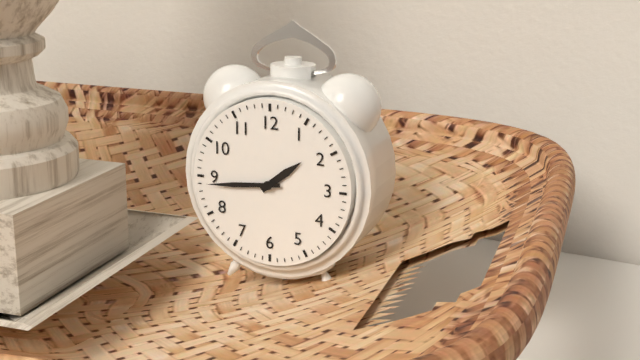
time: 1:44
